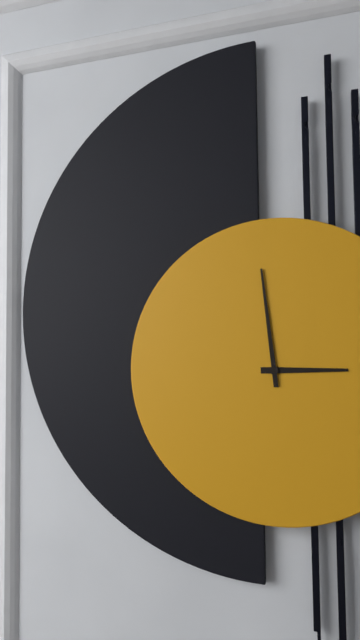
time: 2:59
